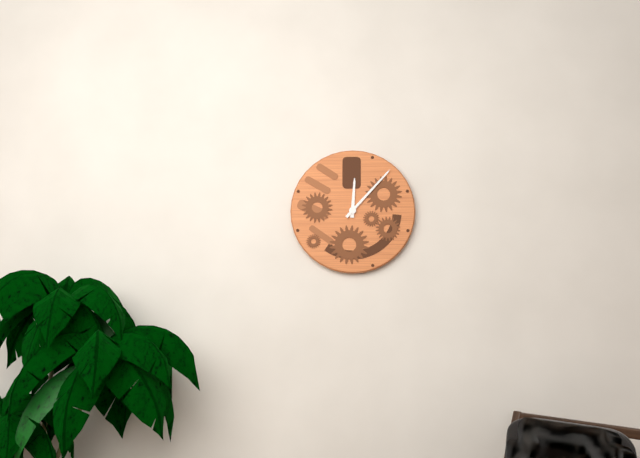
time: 12:07
